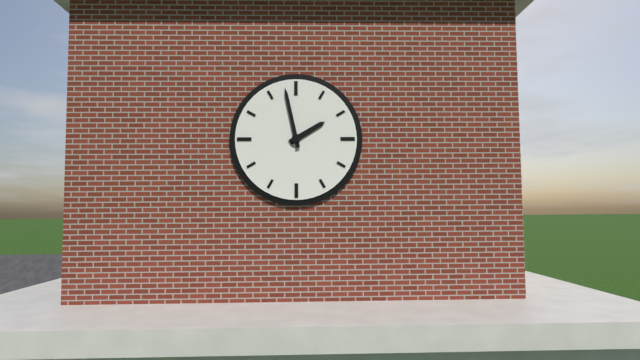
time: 1:58
